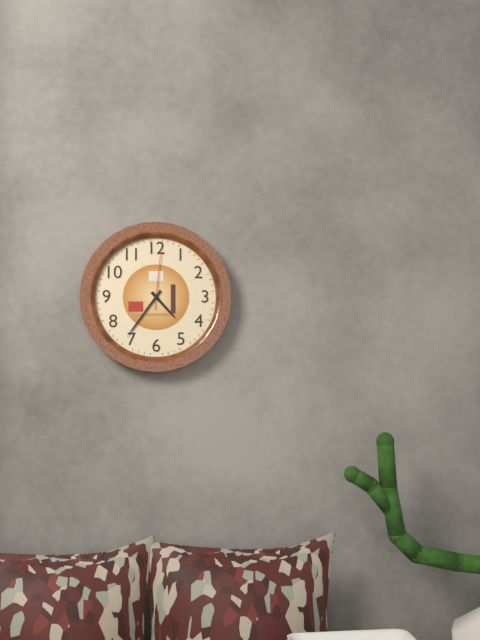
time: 4:36:01
